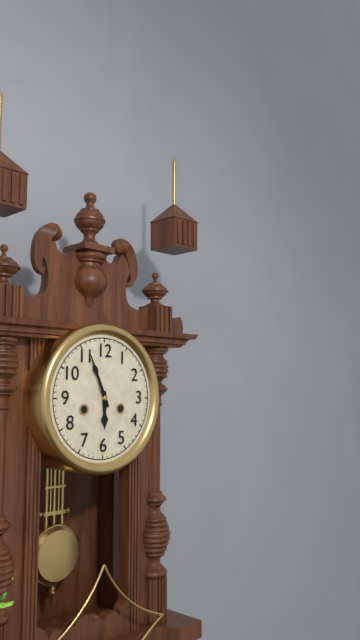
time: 5:56
